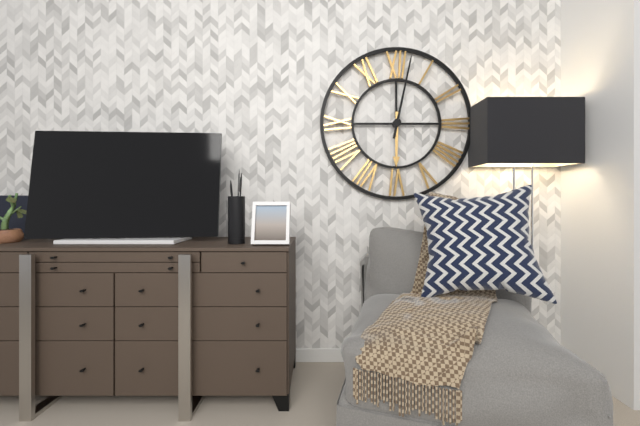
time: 6:02
